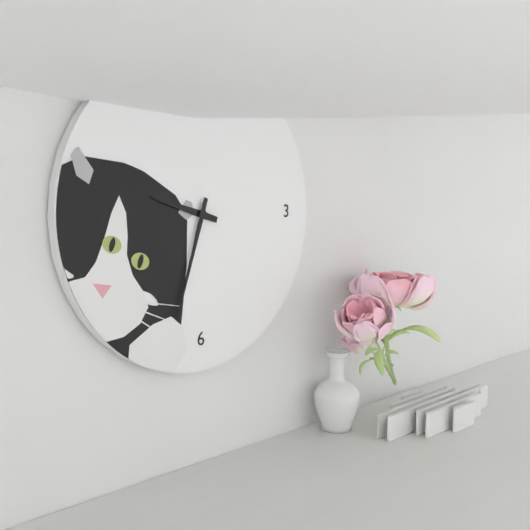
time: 9:33
